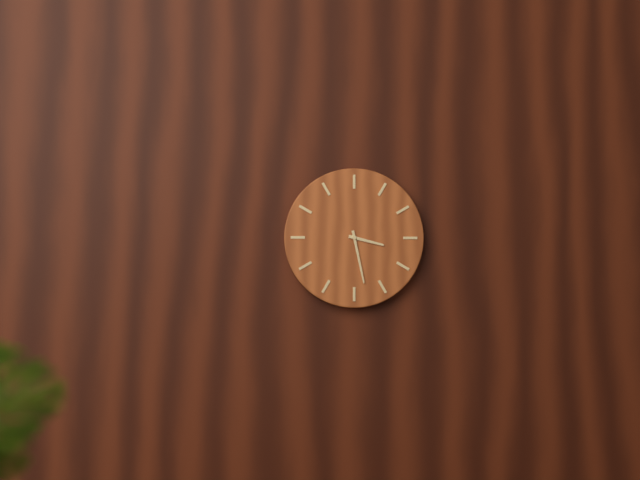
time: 3:28
